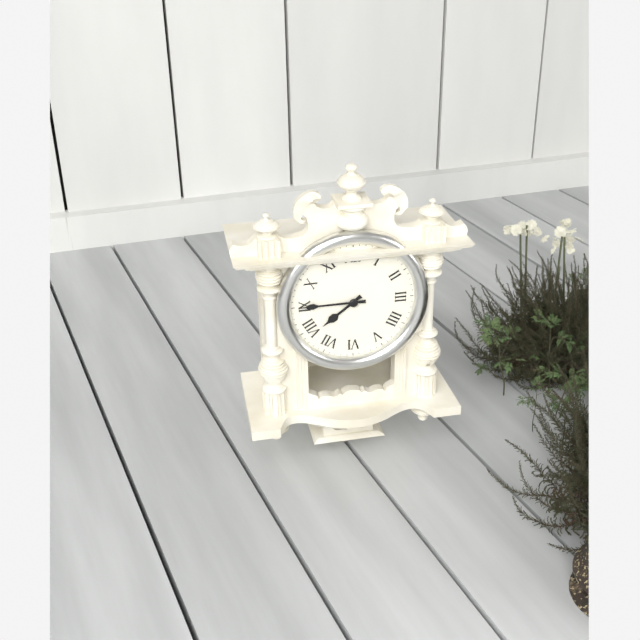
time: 7:45
